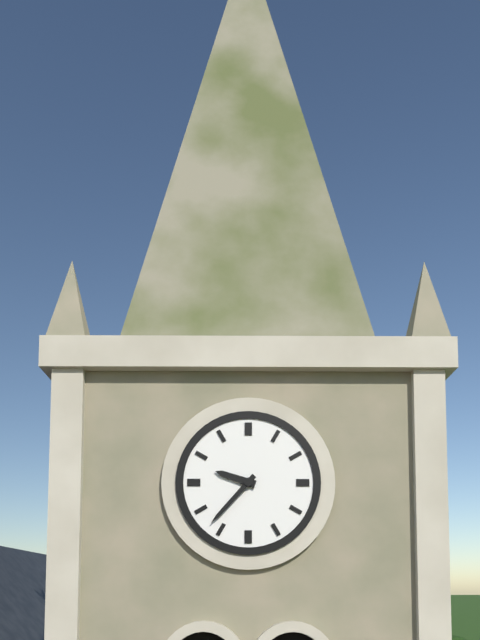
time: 9:37
